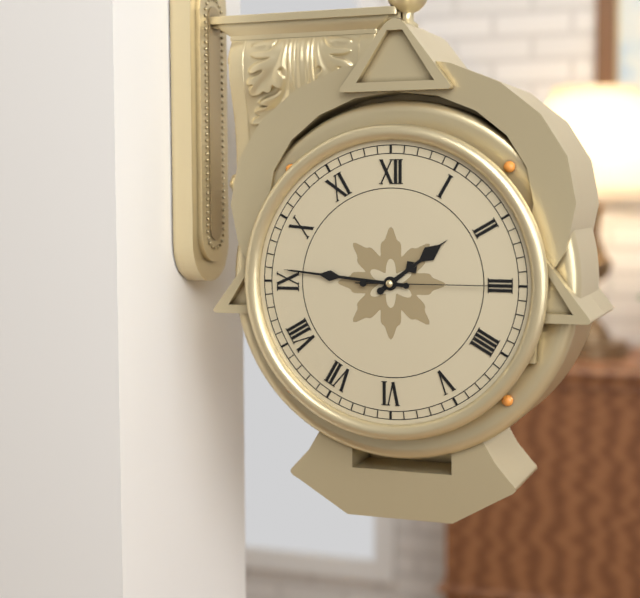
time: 1:46:15
